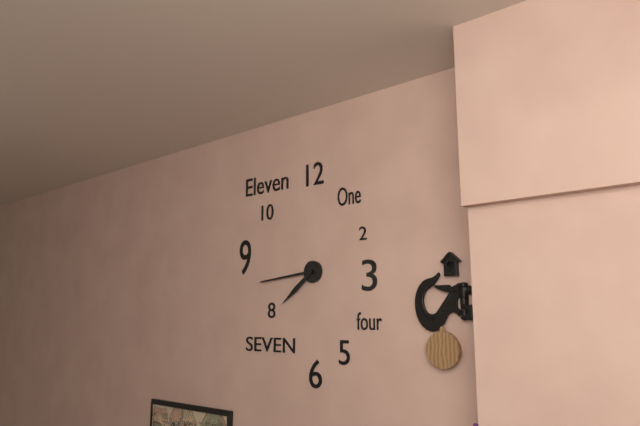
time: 7:44
